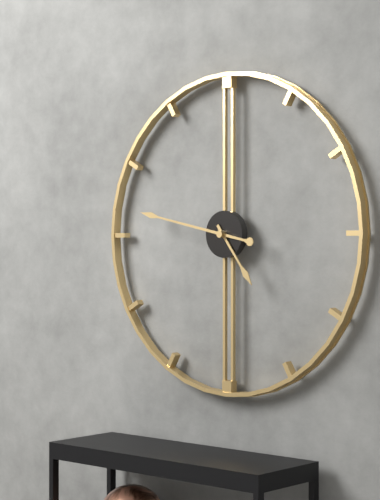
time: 4:47
